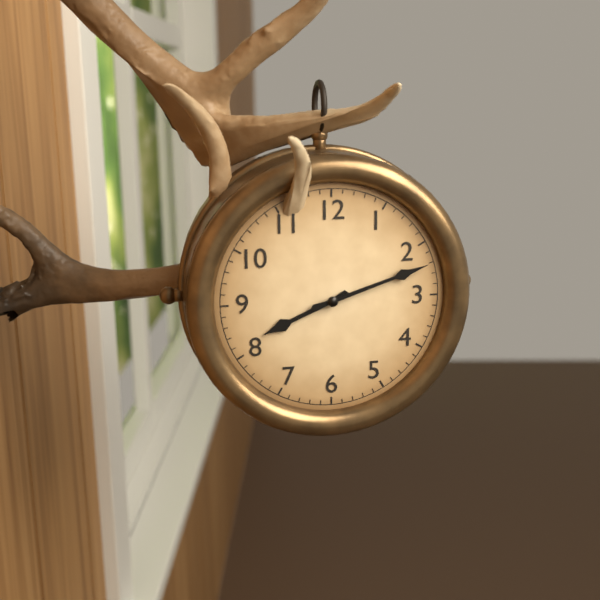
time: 8:12
